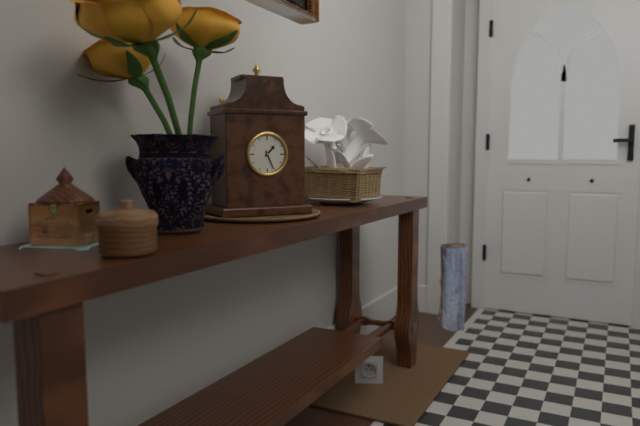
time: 1:26
